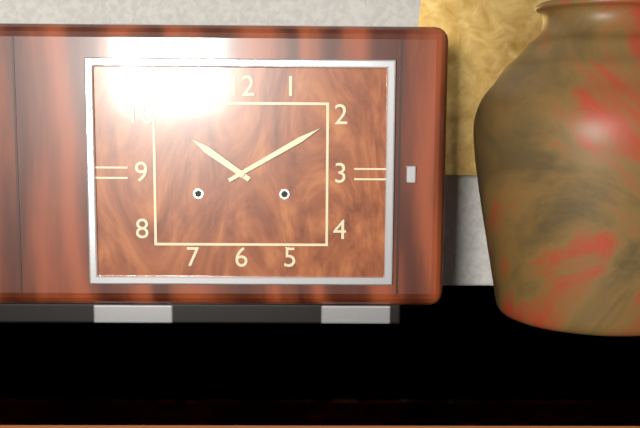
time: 10:10
